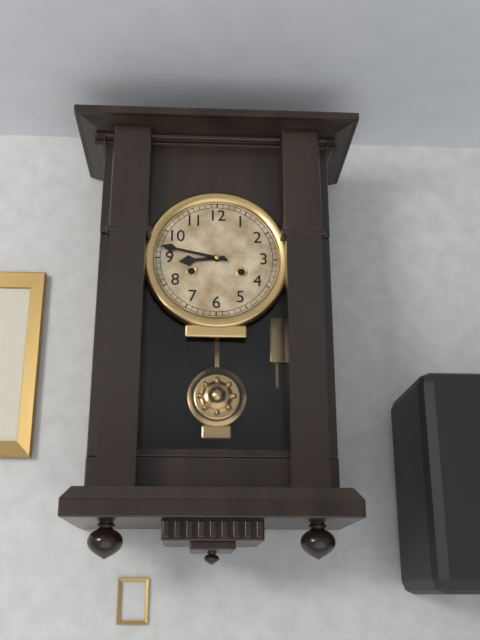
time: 8:47
